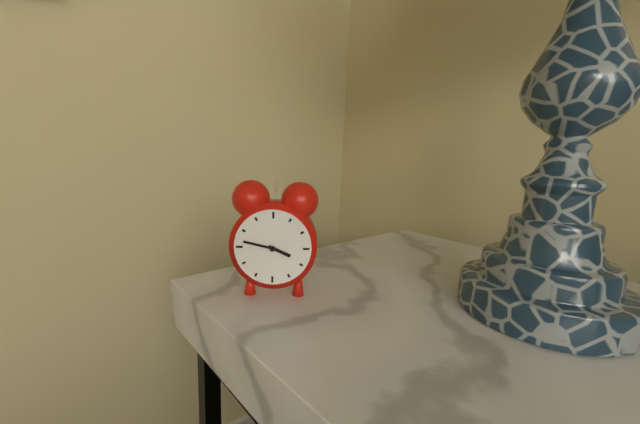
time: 3:47
